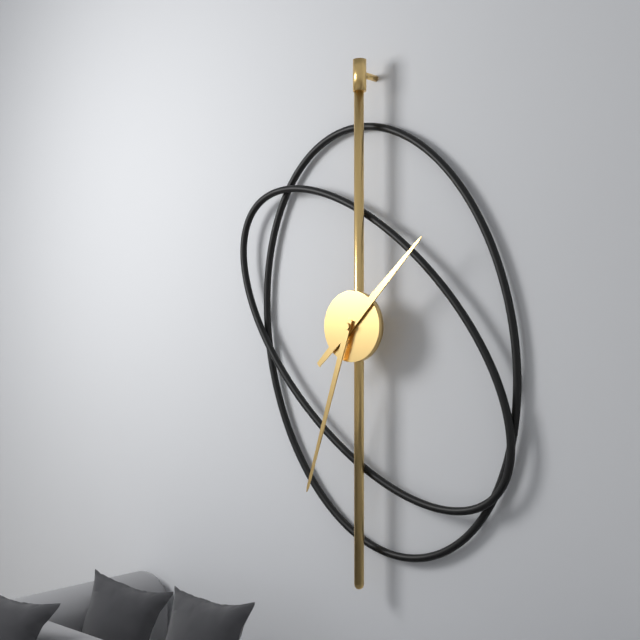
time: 1:33
